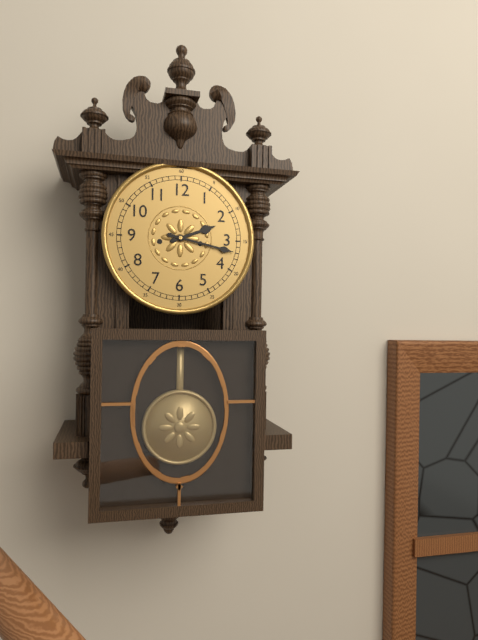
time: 2:17
